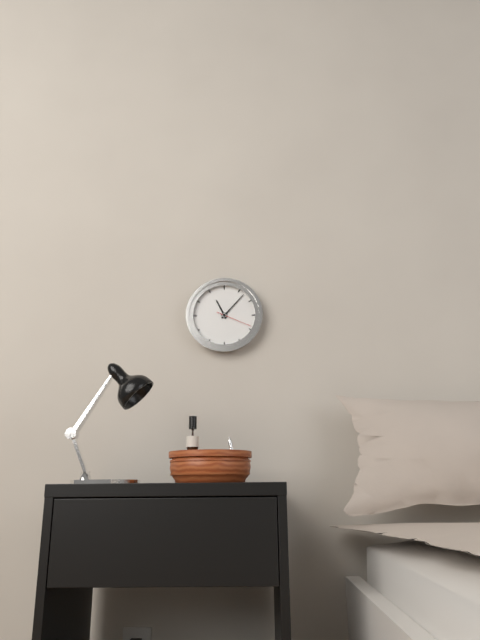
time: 11:07
